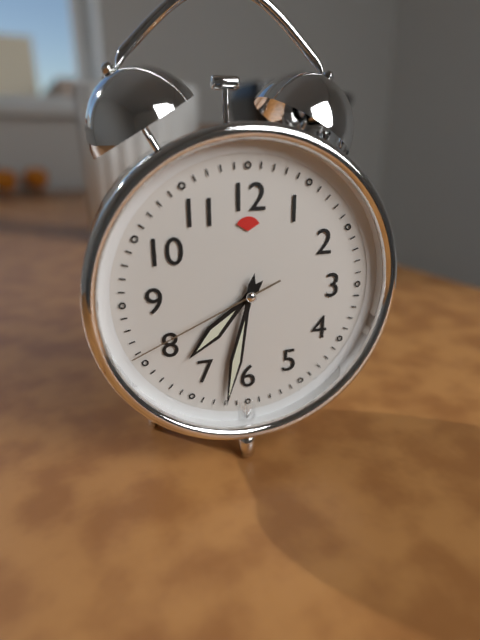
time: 7:32:41
